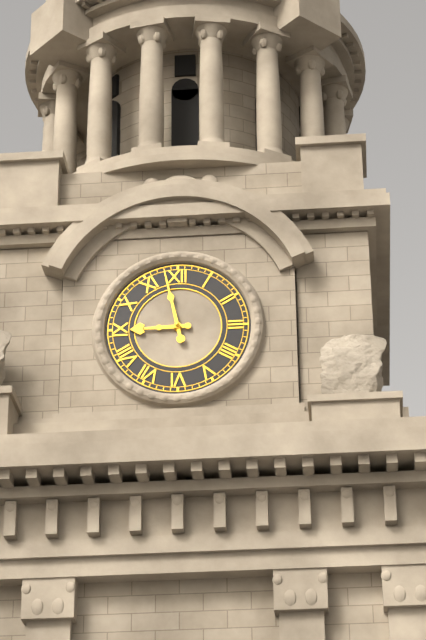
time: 8:58
